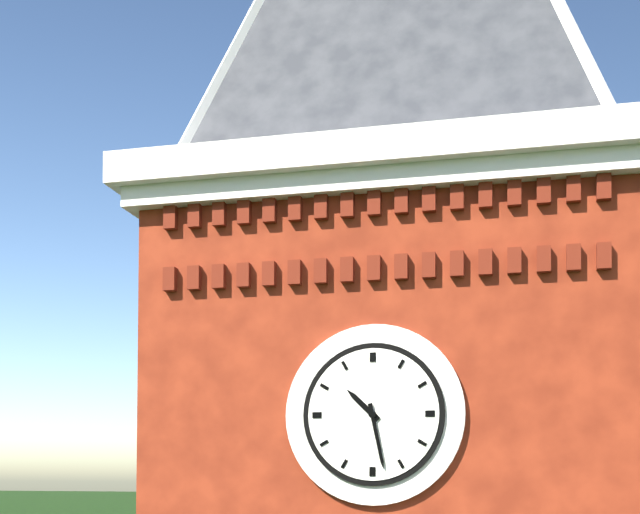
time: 10:28
